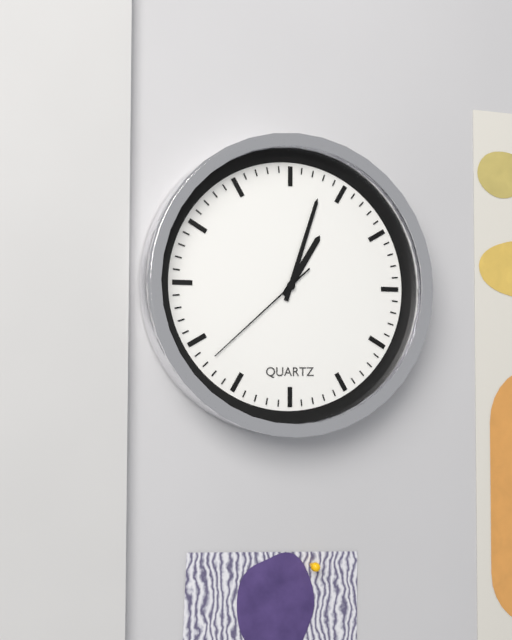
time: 1:03:38
